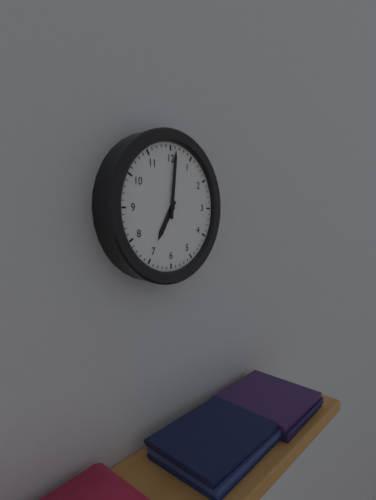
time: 7:01
